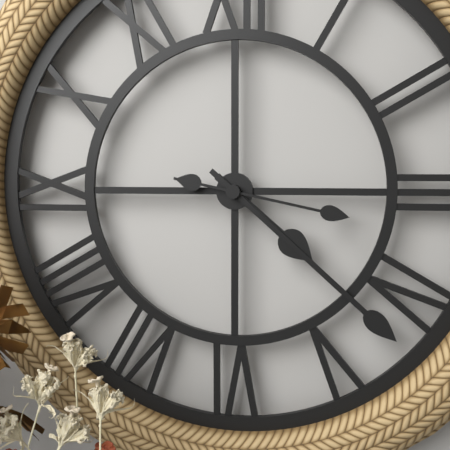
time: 4:22:17
